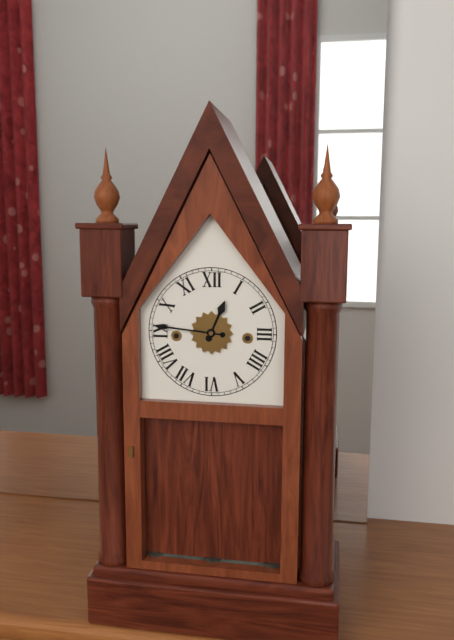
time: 12:46
